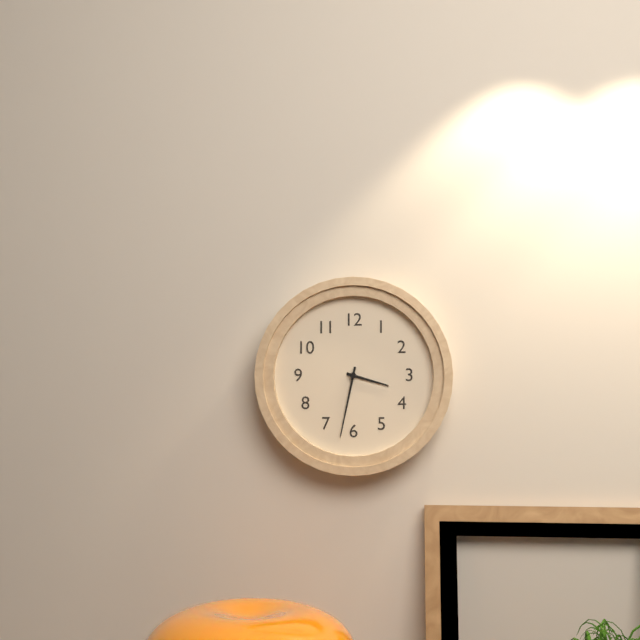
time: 3:32
